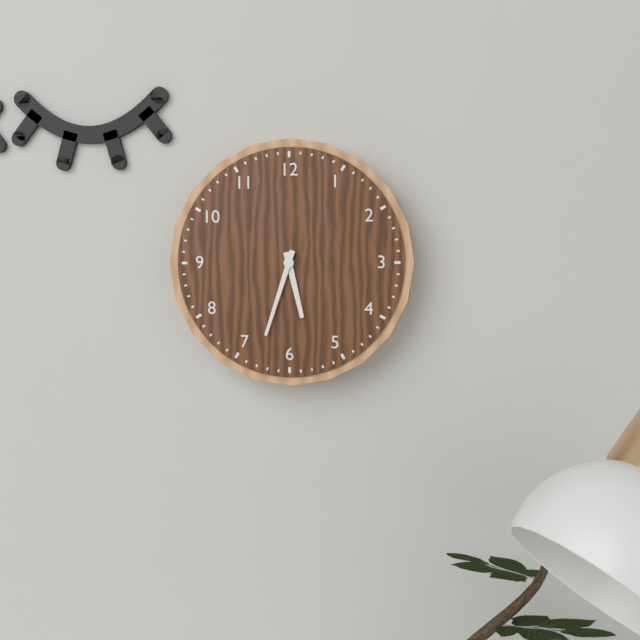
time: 5:33
